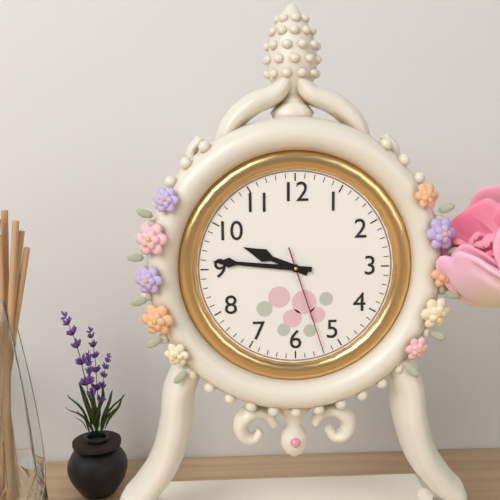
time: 9:46:27
